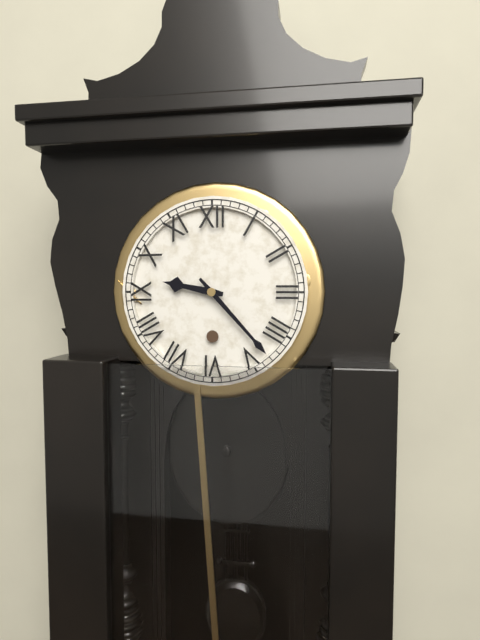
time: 9:23
